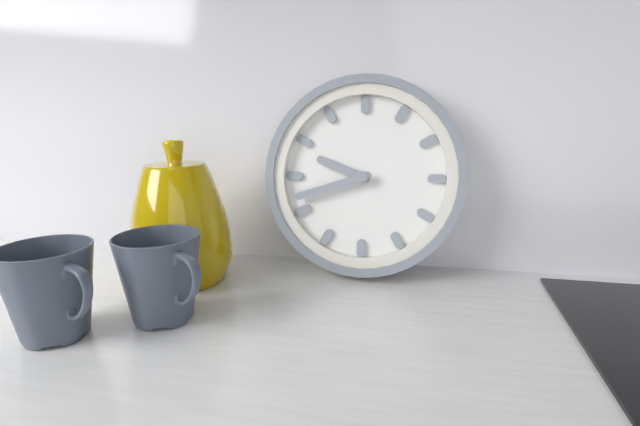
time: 9:42
